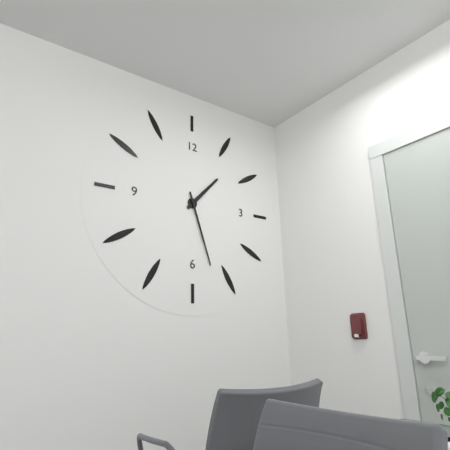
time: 1:27
